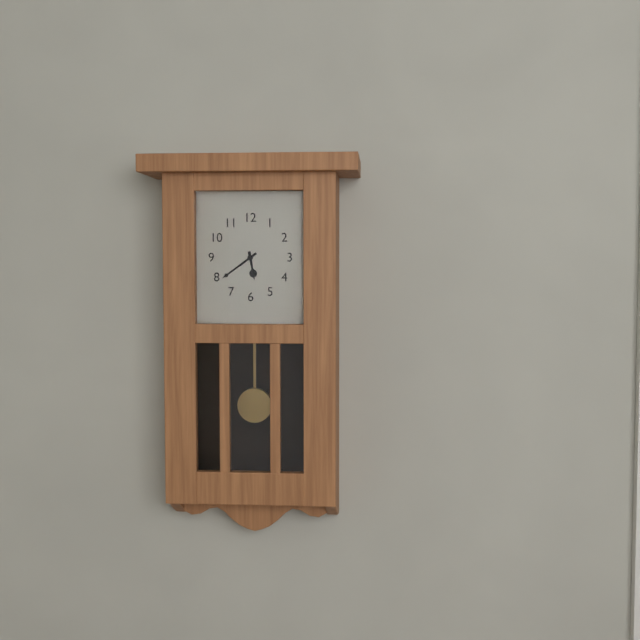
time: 5:39
